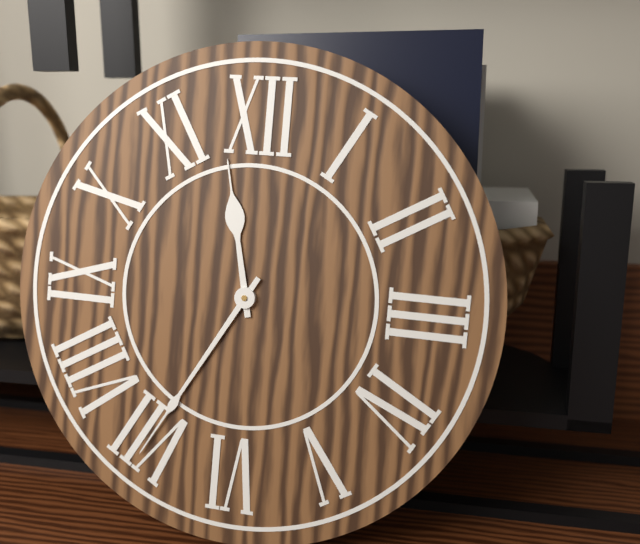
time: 11:35
